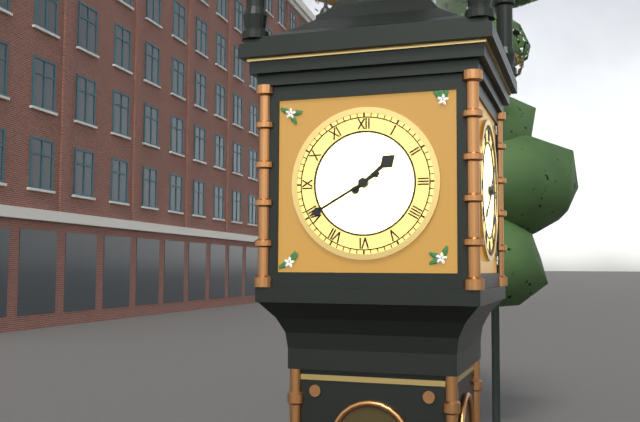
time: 1:40
